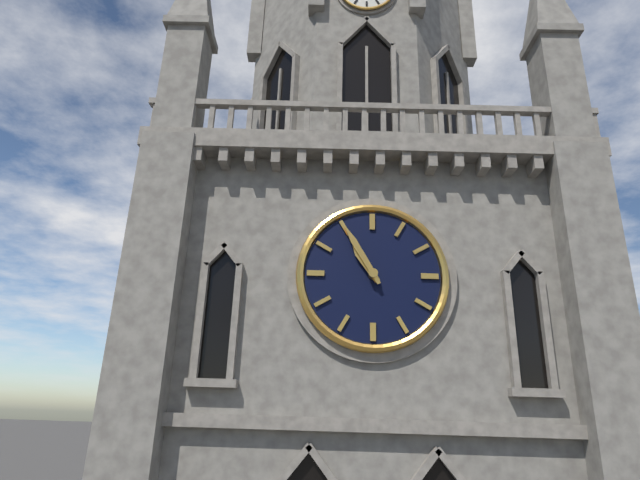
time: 10:55
